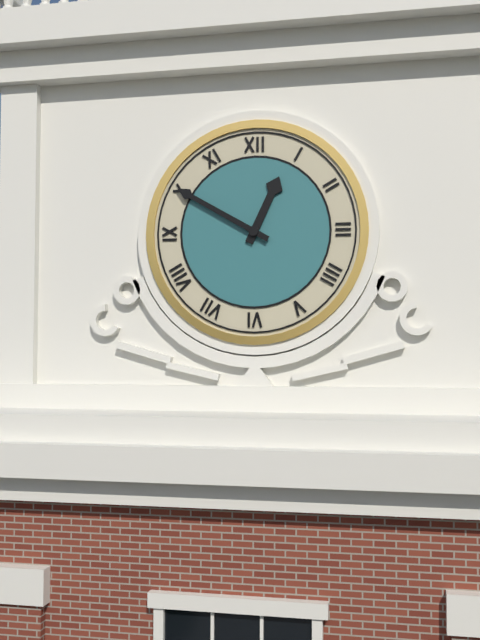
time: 12:50
